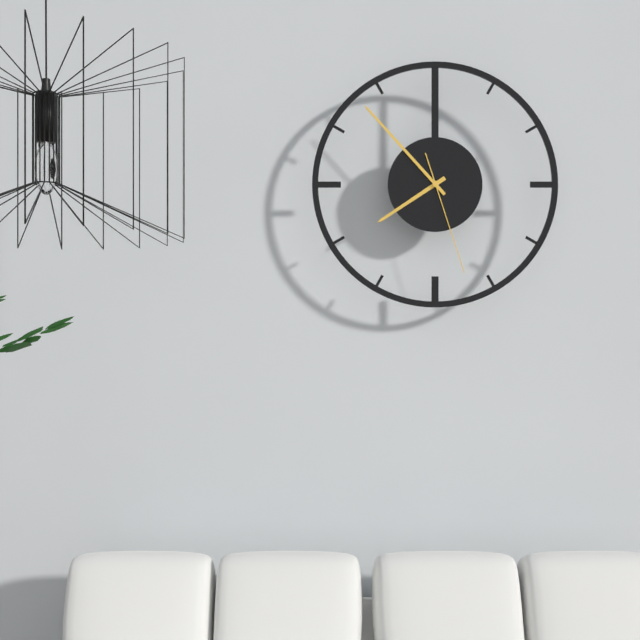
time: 7:53:27
